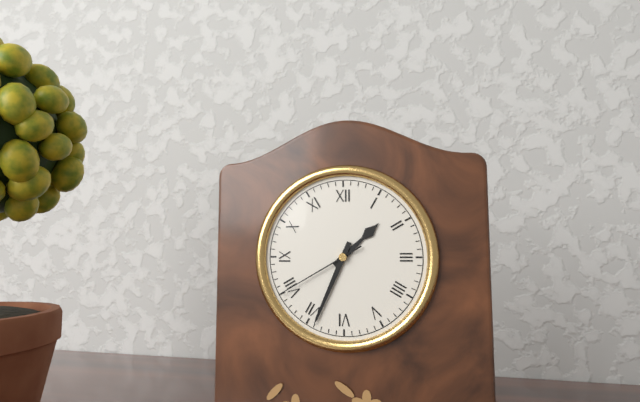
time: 1:34:40
